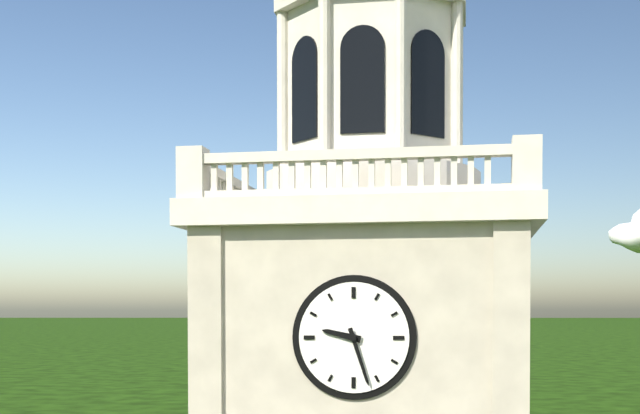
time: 9:27
